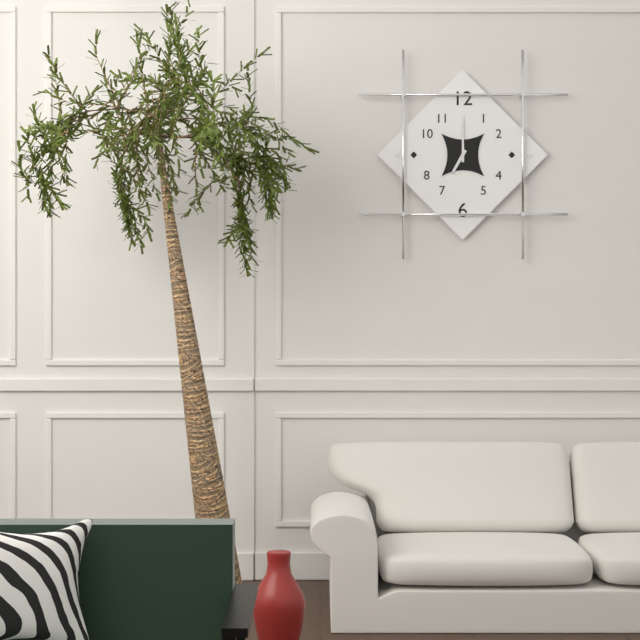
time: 7:00
